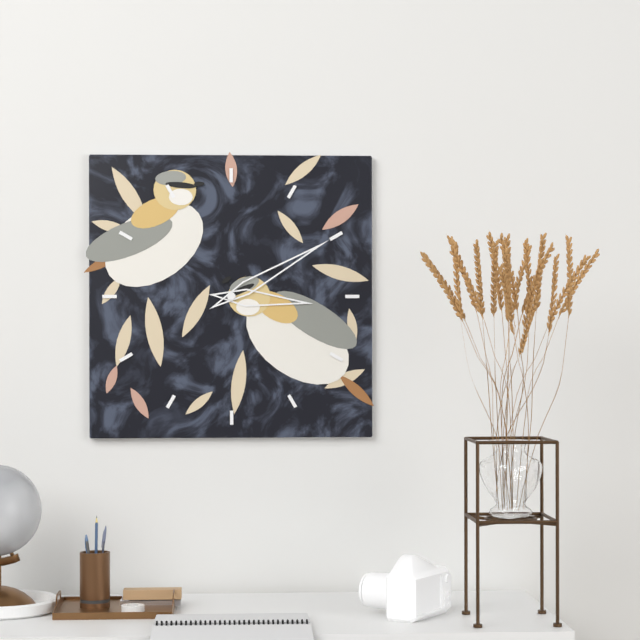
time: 3:10
